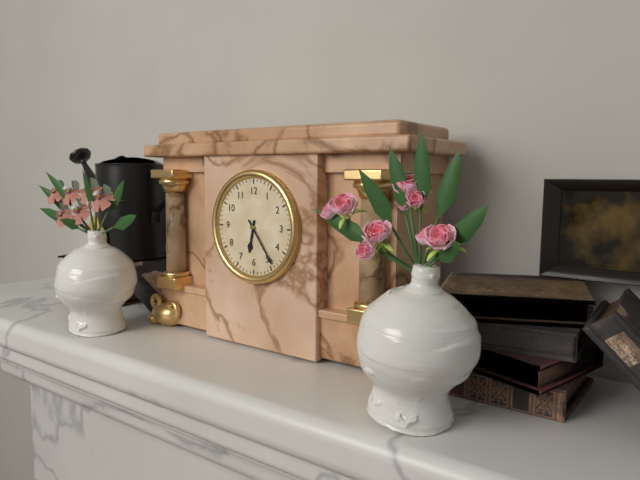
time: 6:24
